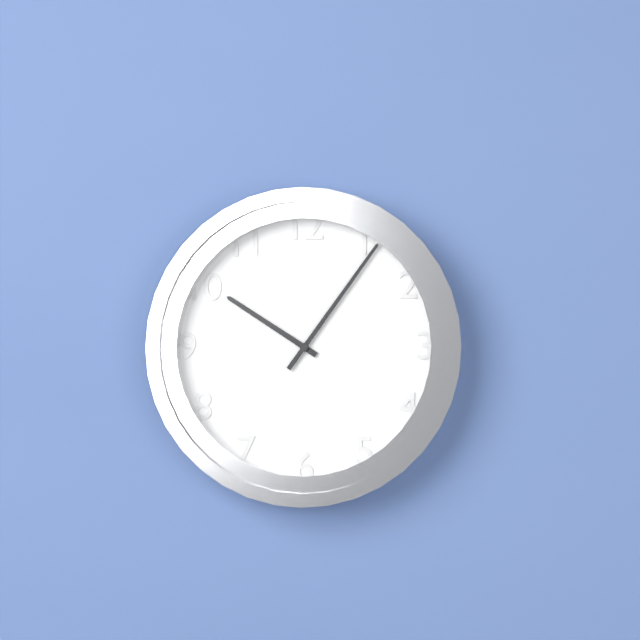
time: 10:06
